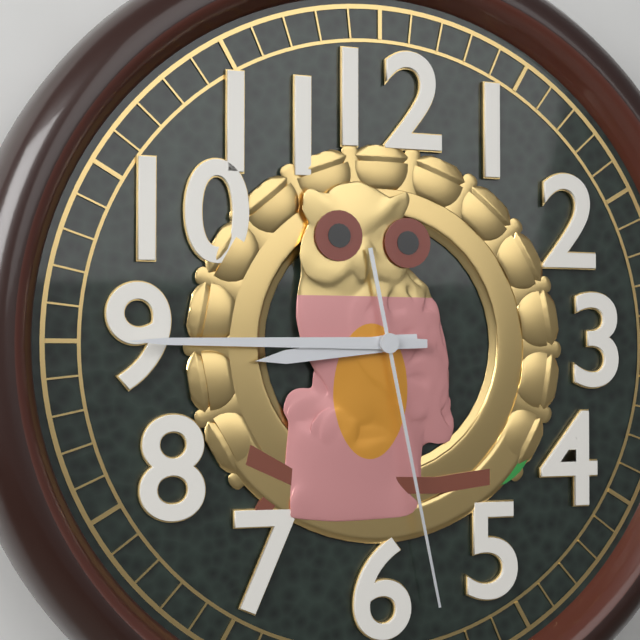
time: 8:45:28
